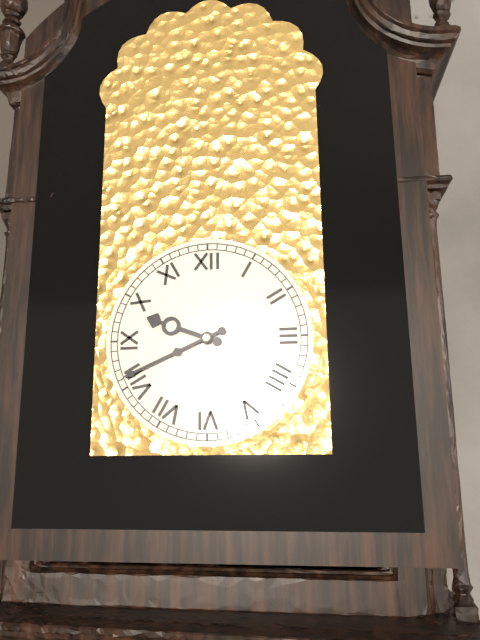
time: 9:41
